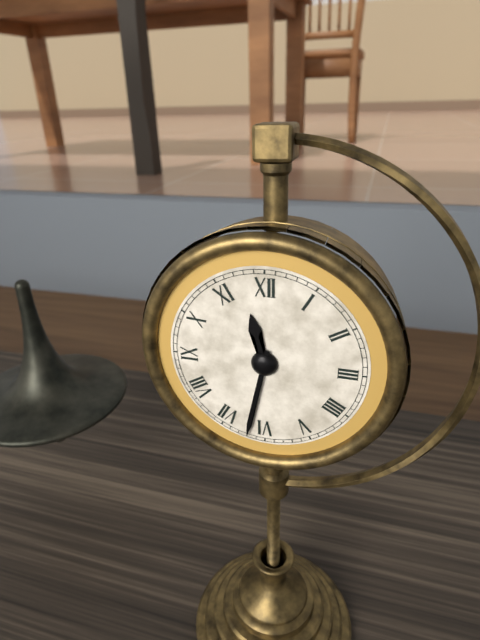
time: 11:32
